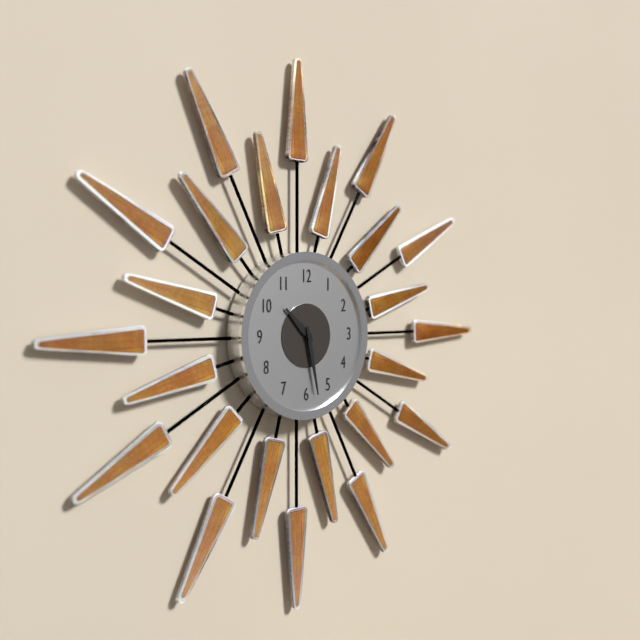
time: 10:28
